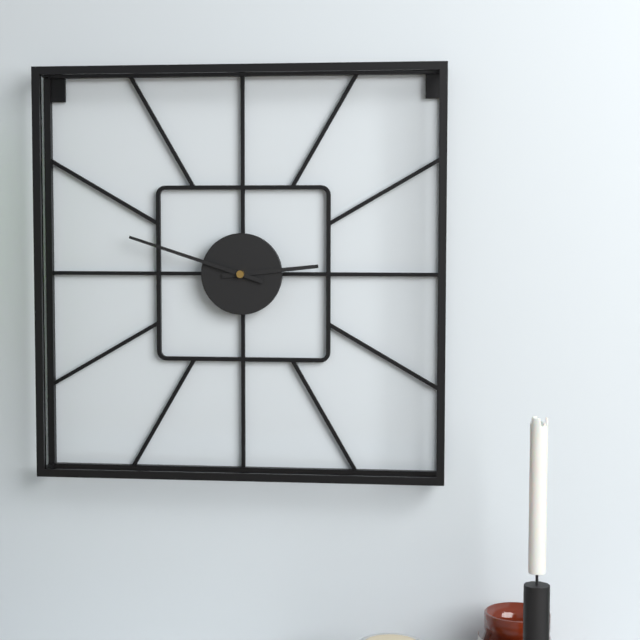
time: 2:48
